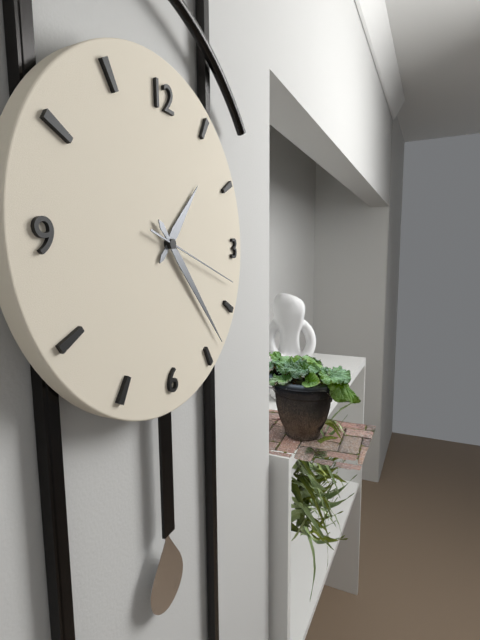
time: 1:23:18
